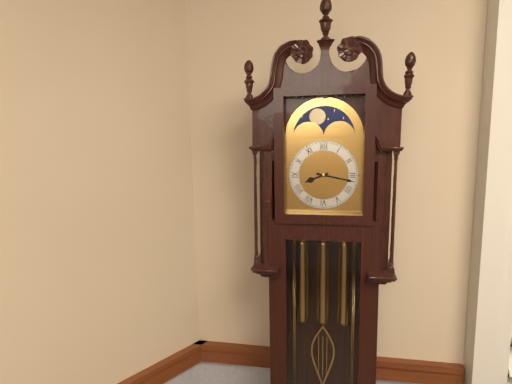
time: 8:17
